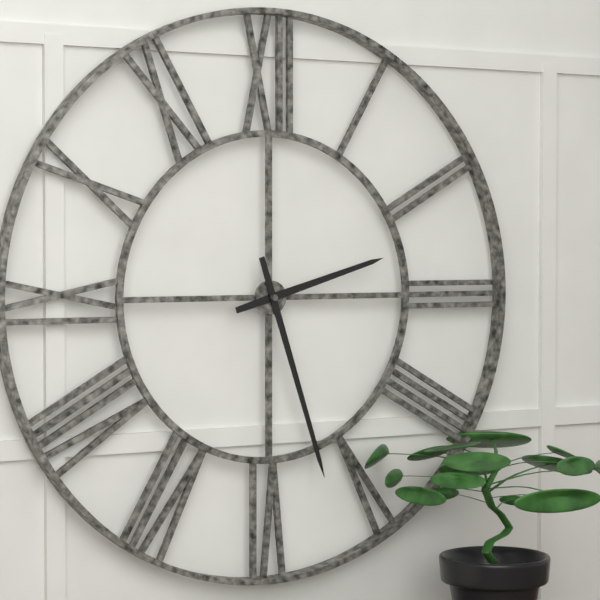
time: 2:27
